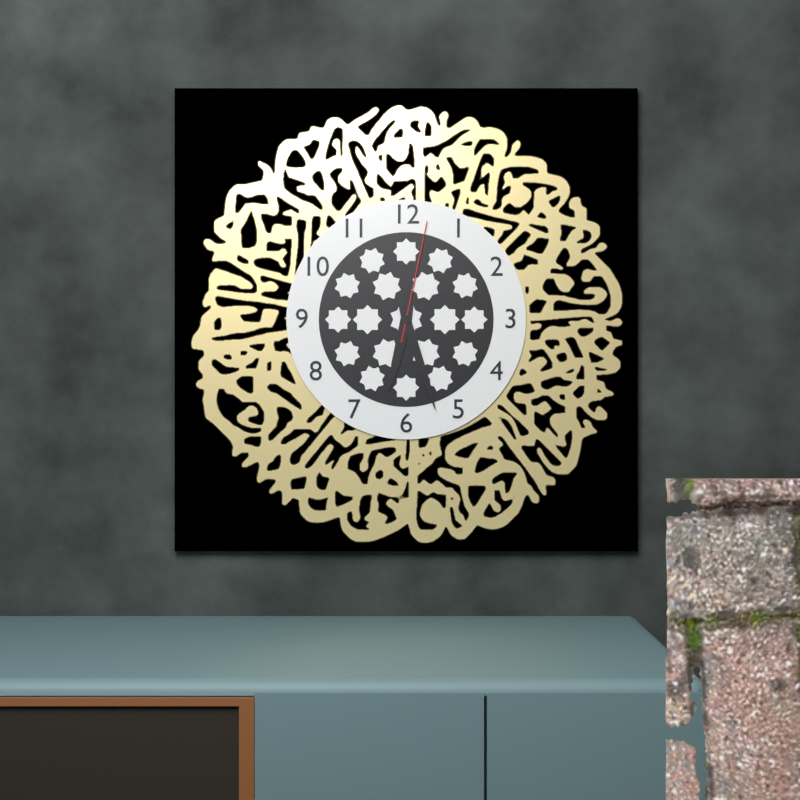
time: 6:27:02
